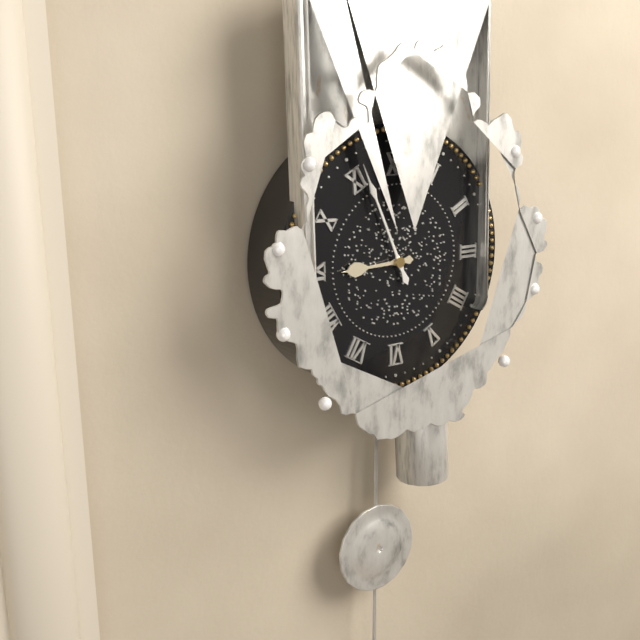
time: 8:56
